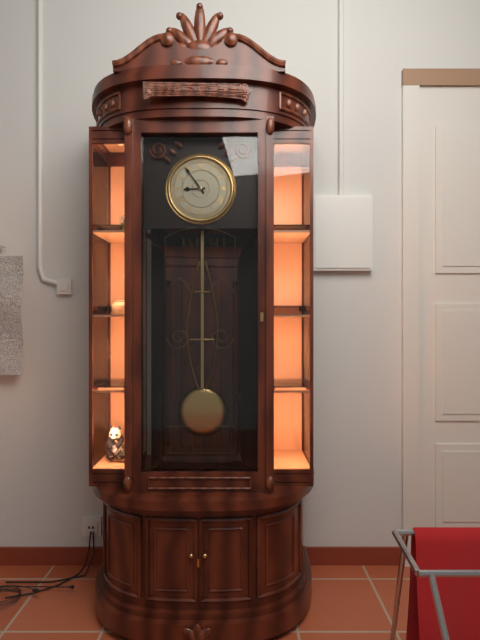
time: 8:54
